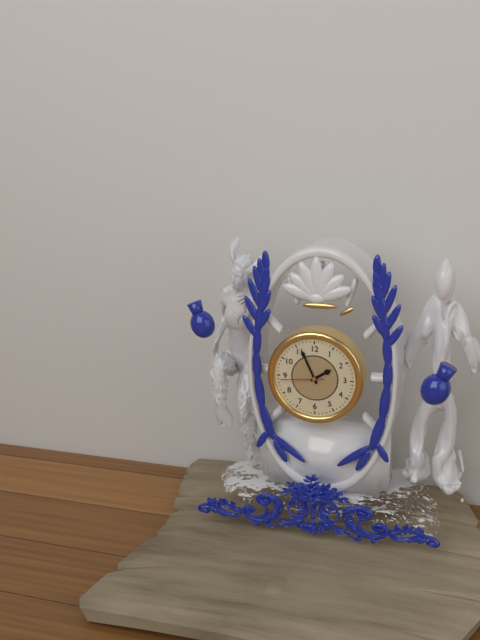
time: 1:56
